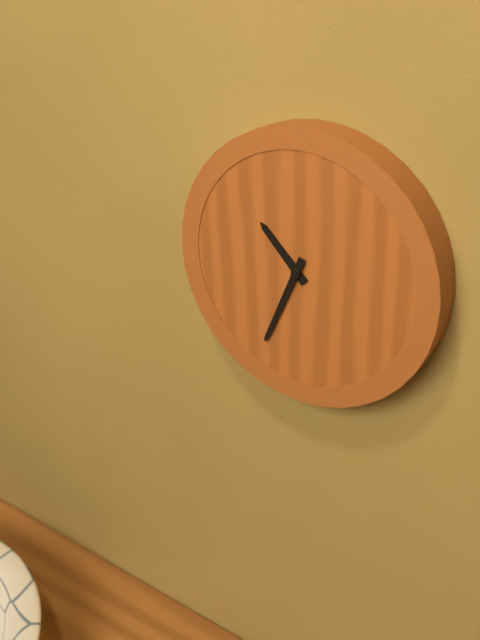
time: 10:34
